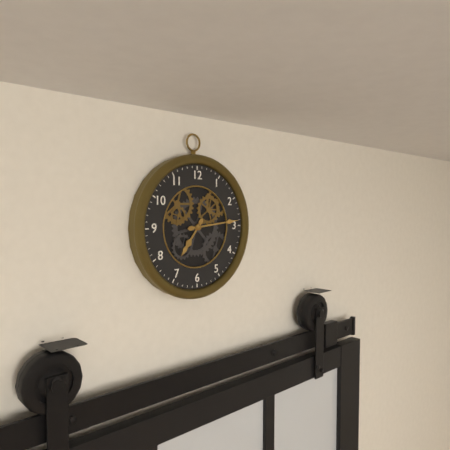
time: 7:14
